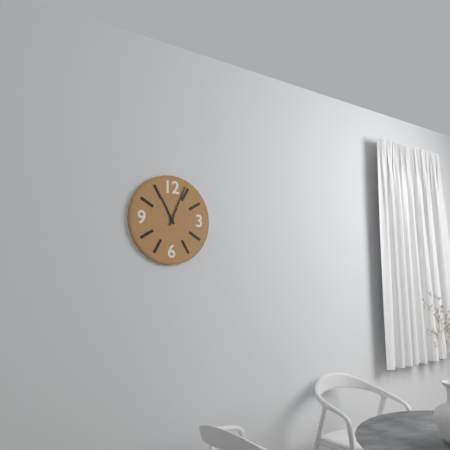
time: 11:04
